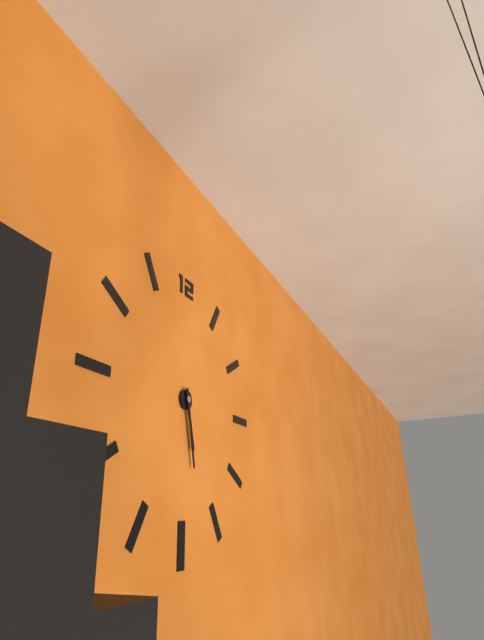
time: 5:28
